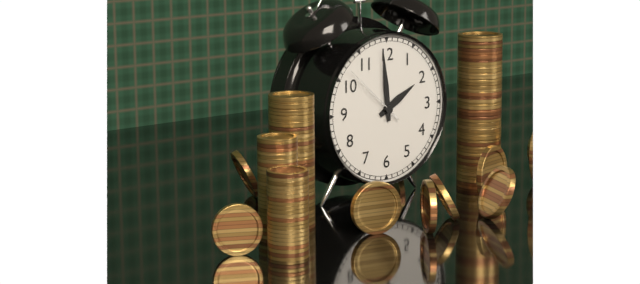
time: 1:59:52
